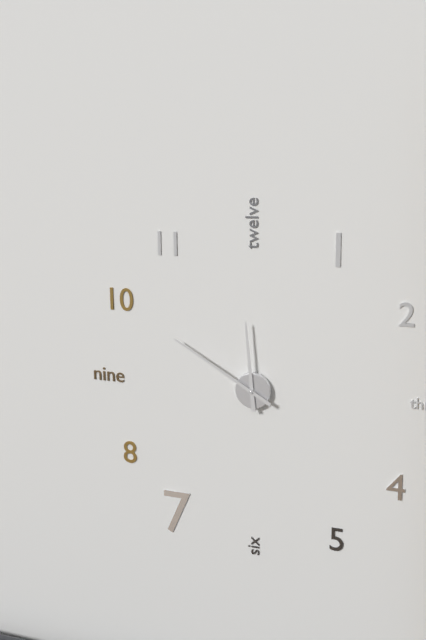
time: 11:50
